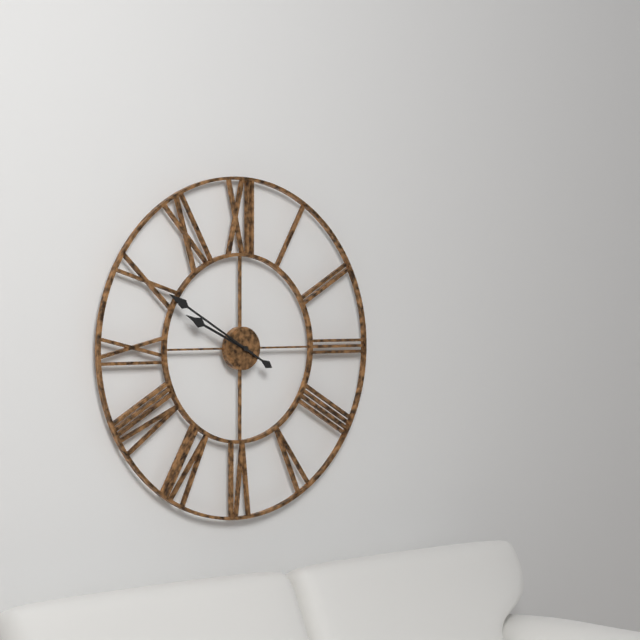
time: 9:50
